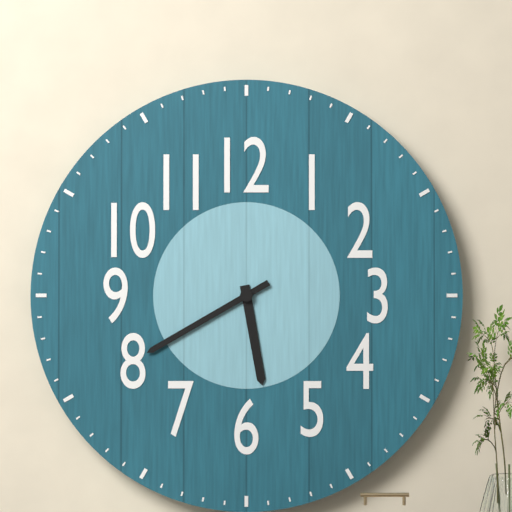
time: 5:40
